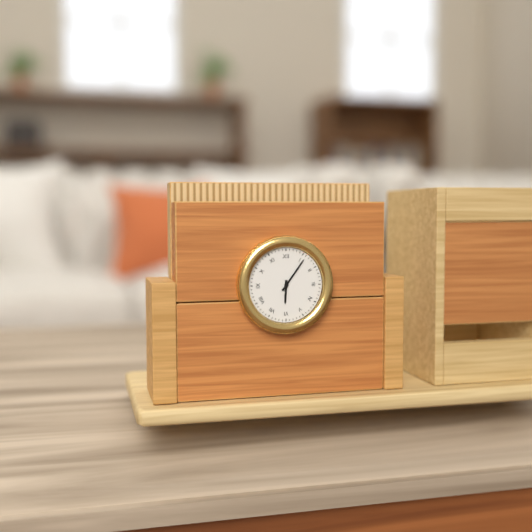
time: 6:06
